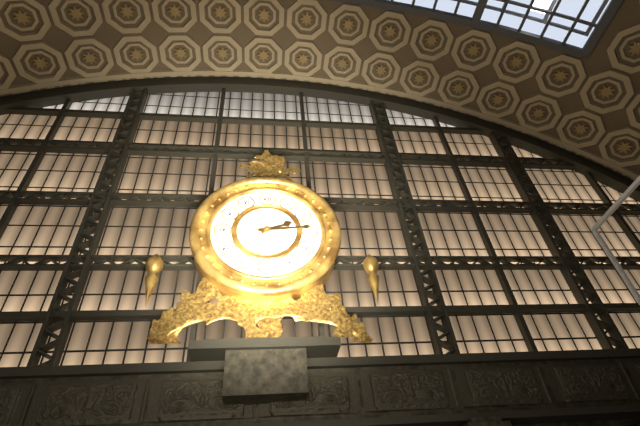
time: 2:14
